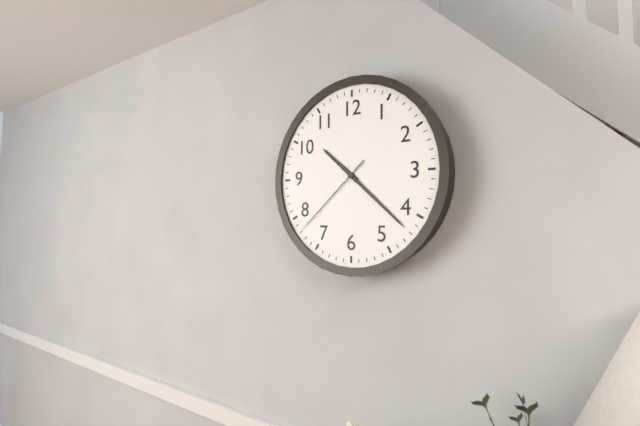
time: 10:22:38
